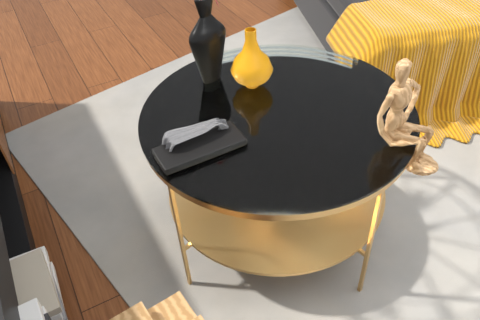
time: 4:12
